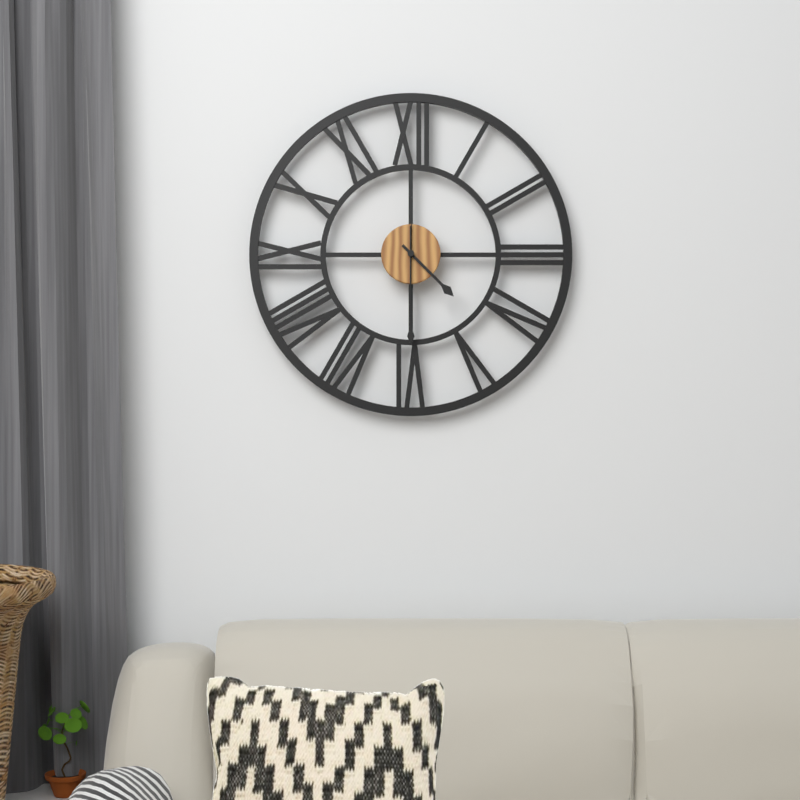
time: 4:30
